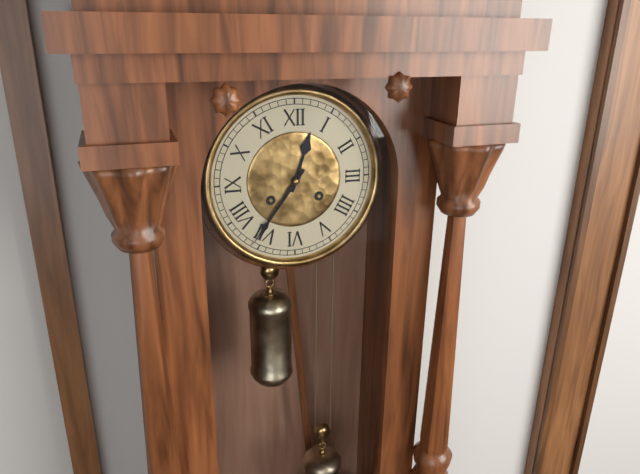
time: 12:36
